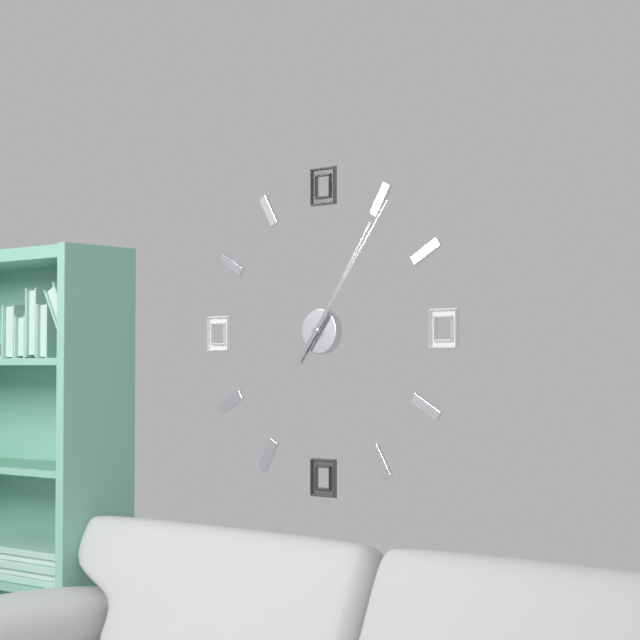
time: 1:06
